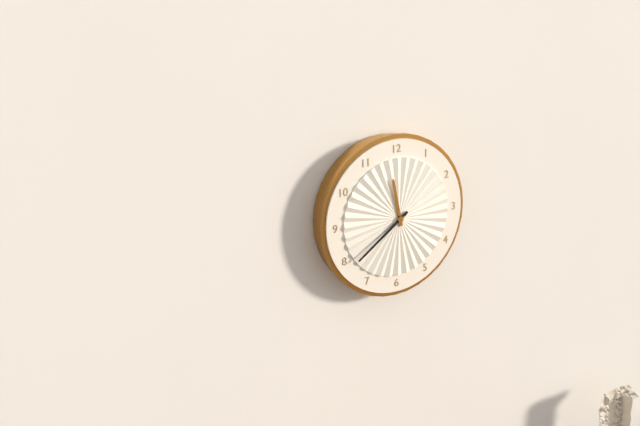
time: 11:39
